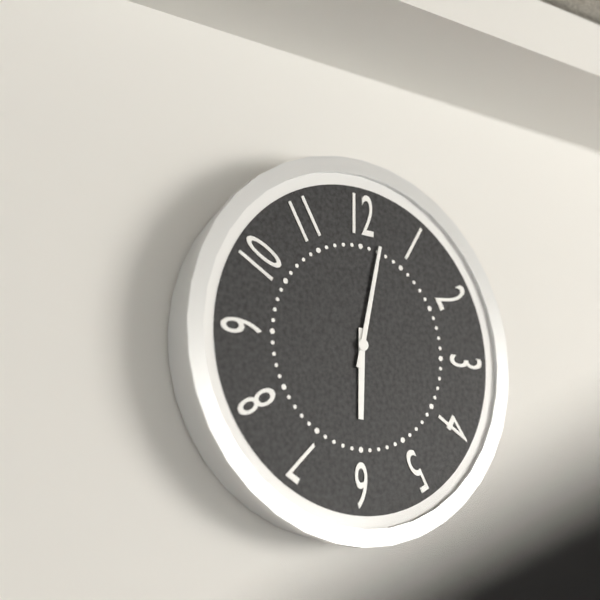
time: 6:02
